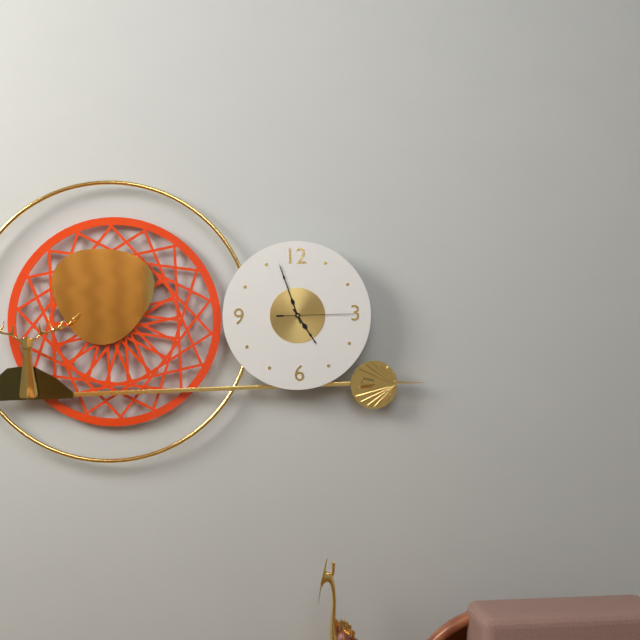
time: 4:57:15
